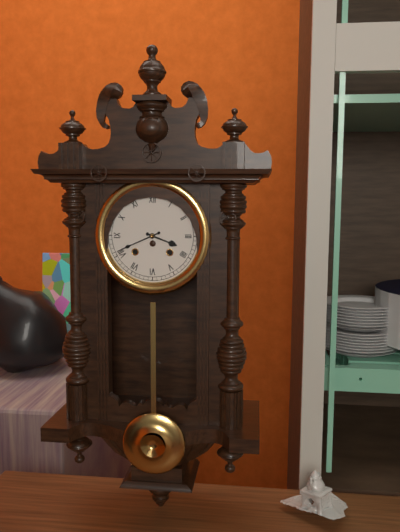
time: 3:41
